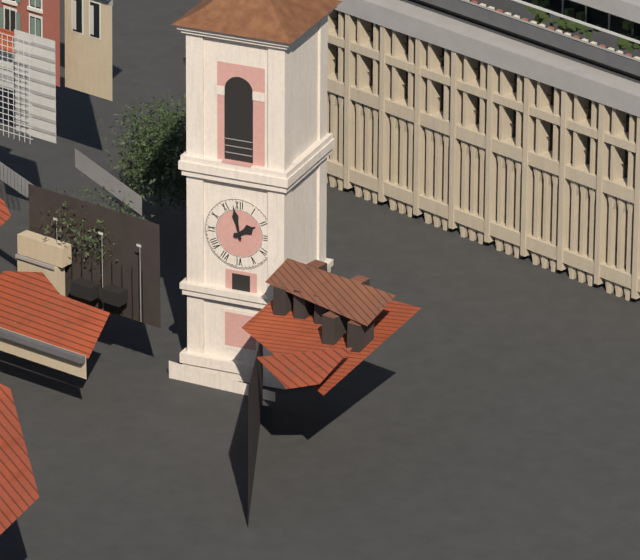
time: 1:58
